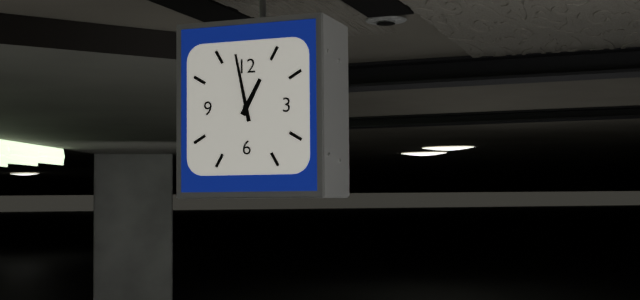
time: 12:58
